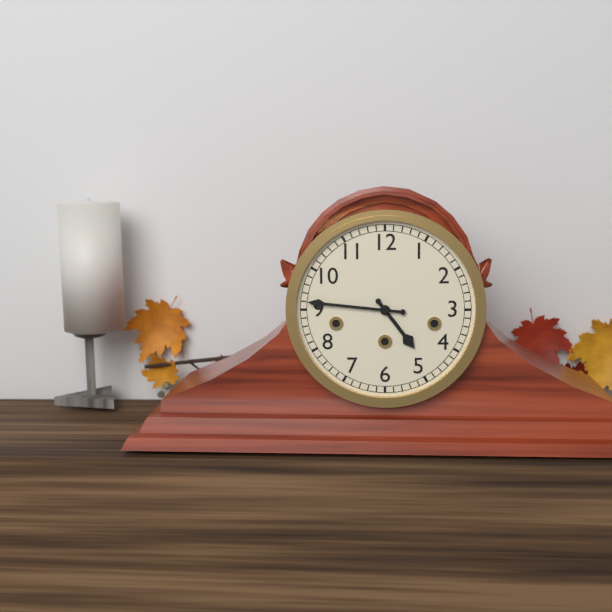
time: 4:46
